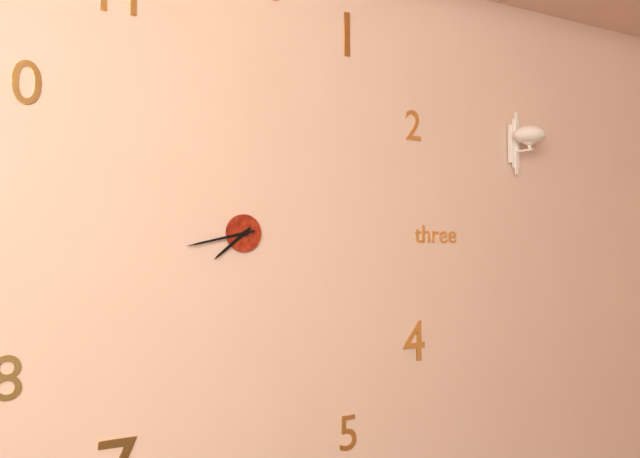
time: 7:43
